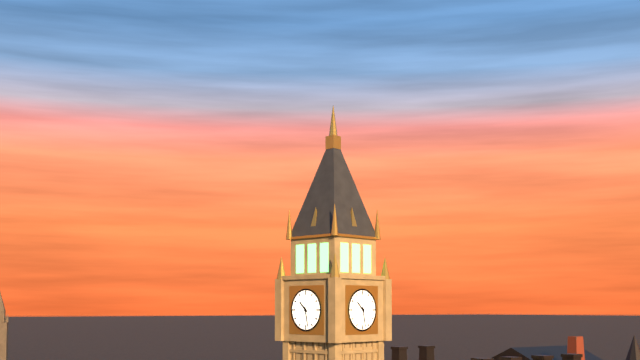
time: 10:28
